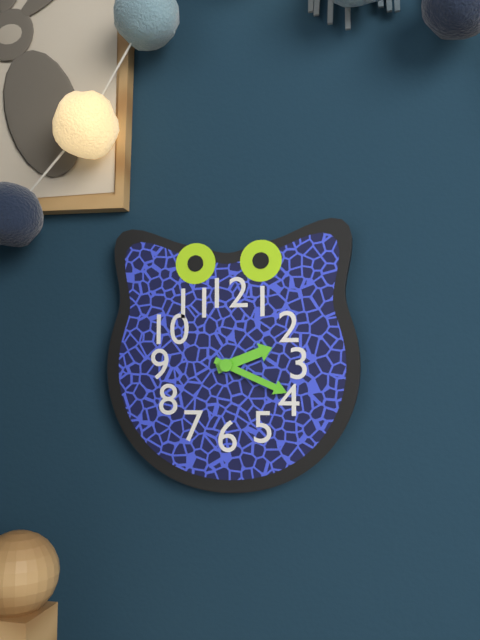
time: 2:19
